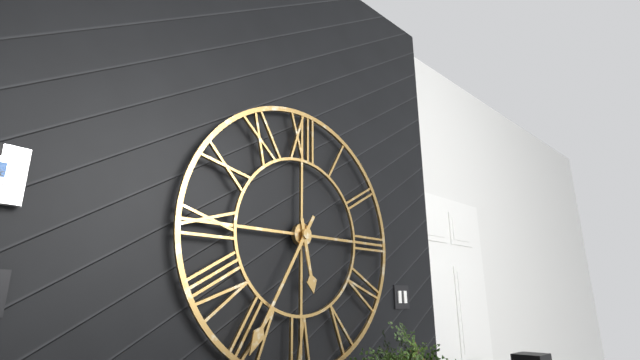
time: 5:35
